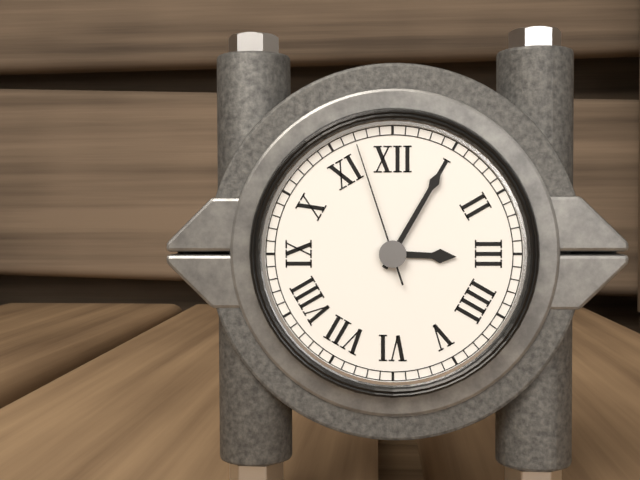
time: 3:05:57
